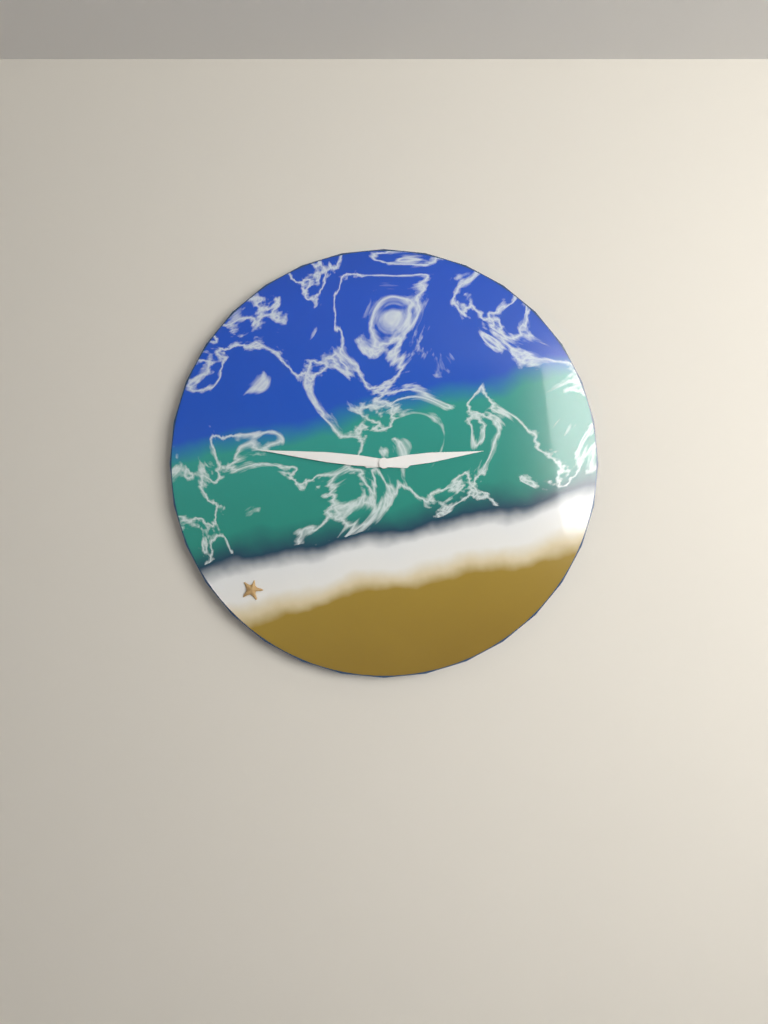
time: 2:46
